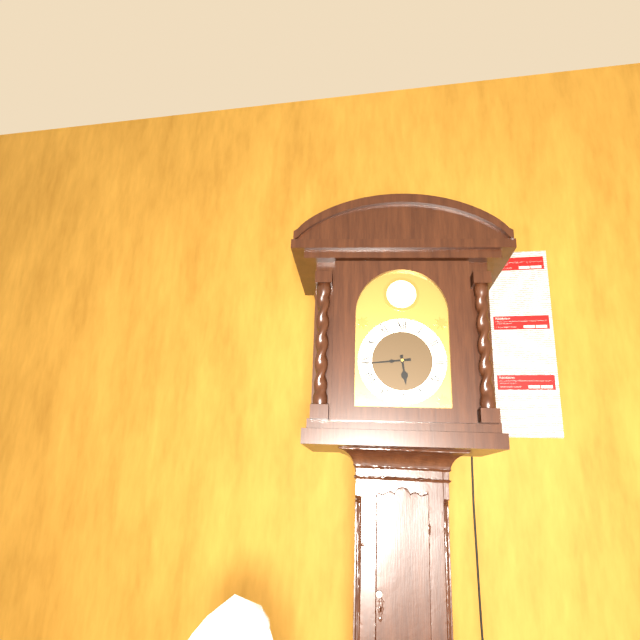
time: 5:44
